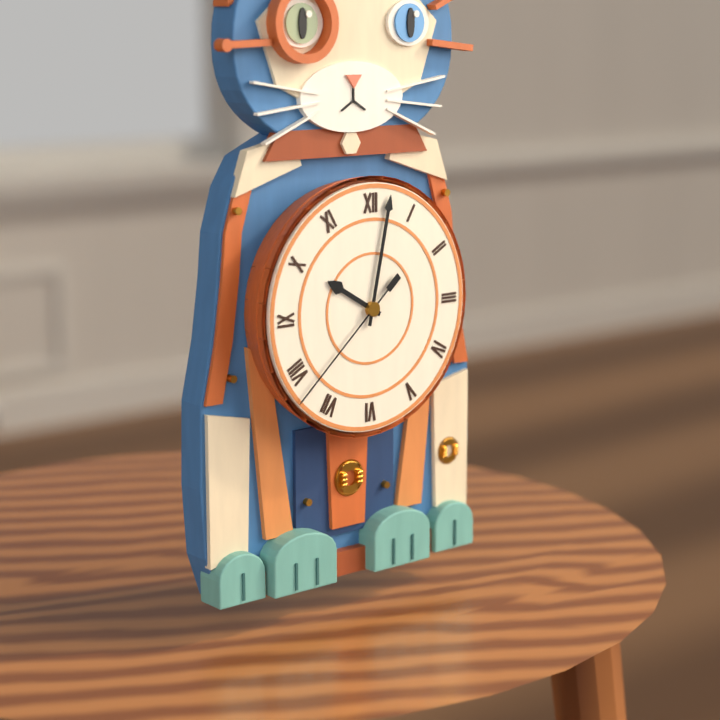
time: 10:02:38
